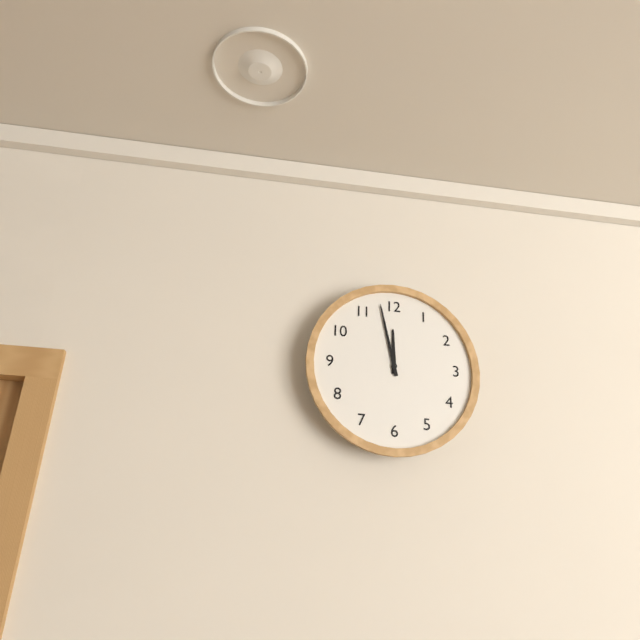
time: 11:58
